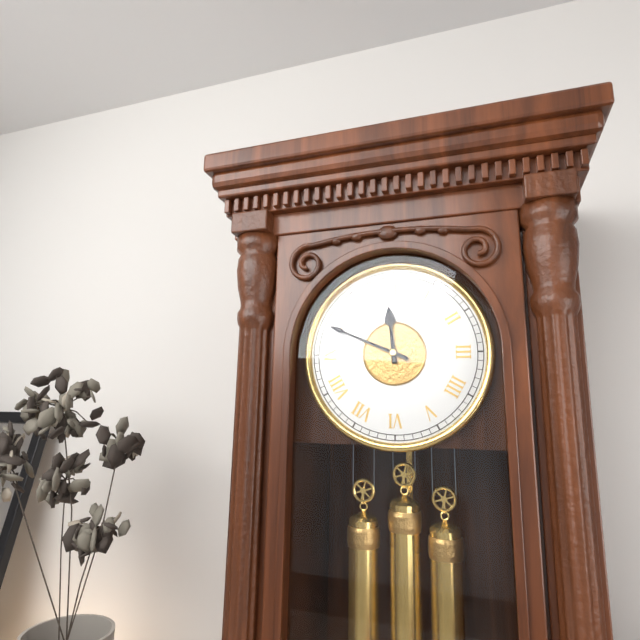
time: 11:49
